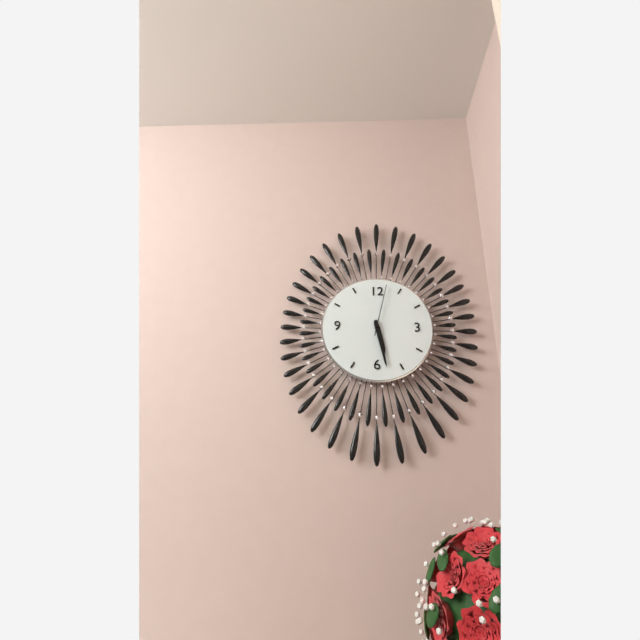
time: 5:28:02
